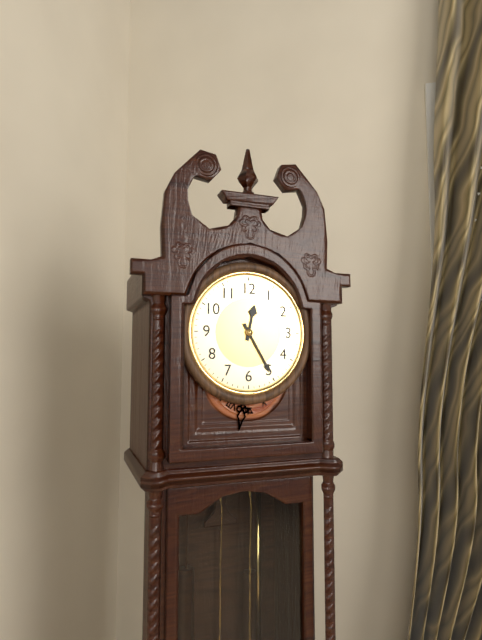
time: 12:25
